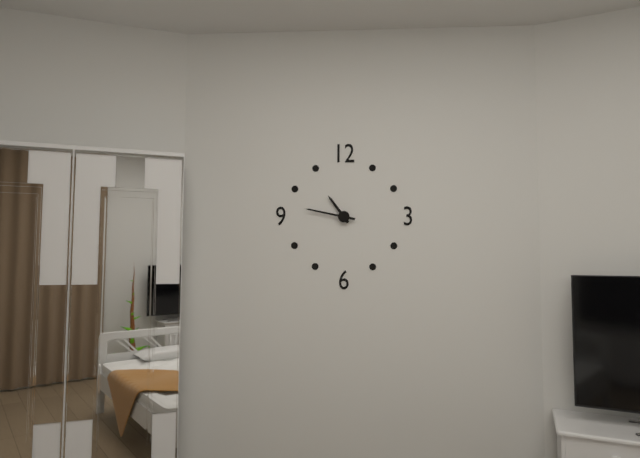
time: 10:47
